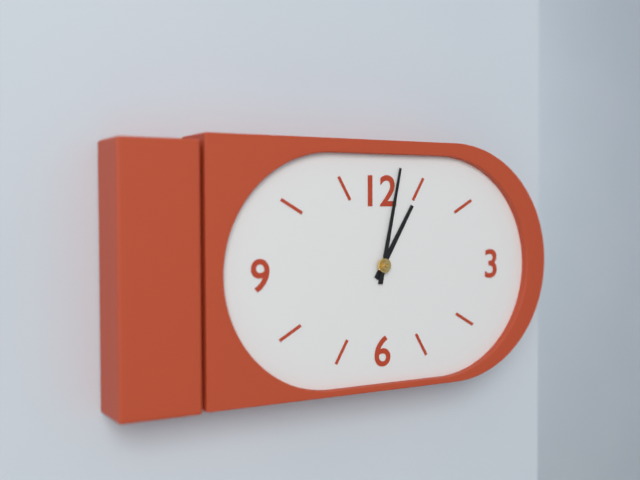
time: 1:02
